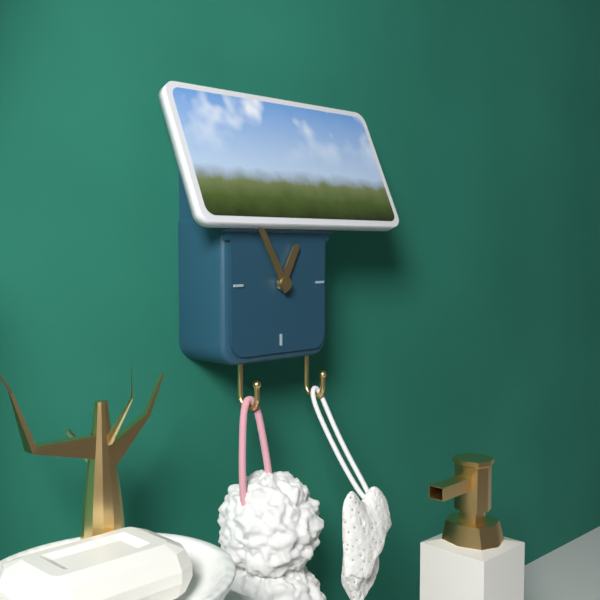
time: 12:55
